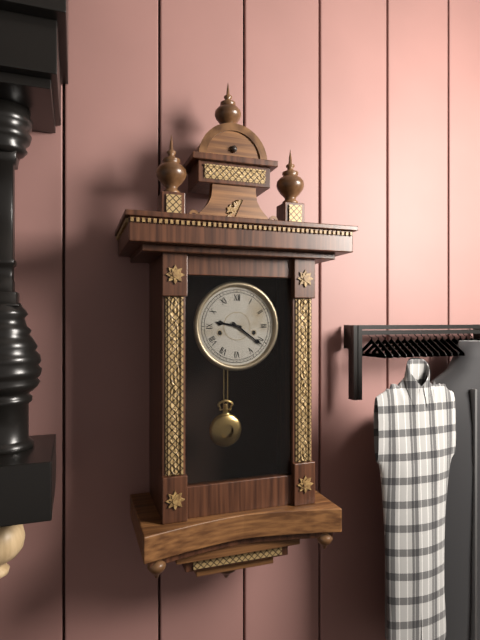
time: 9:21
